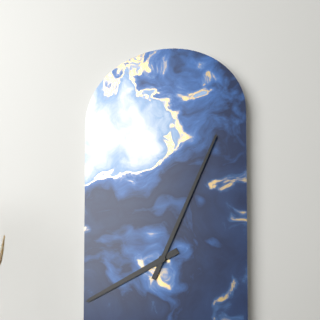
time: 8:04
